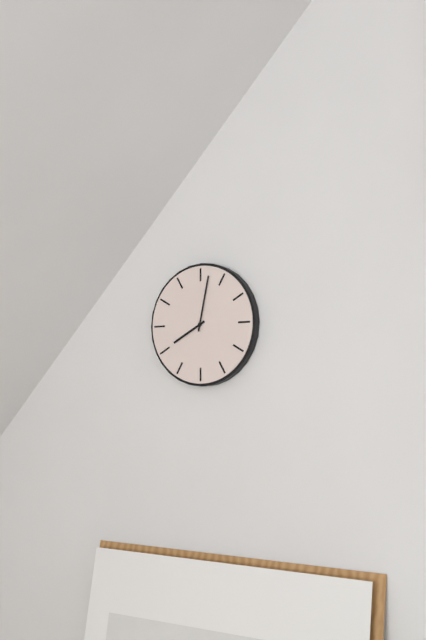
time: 8:02
